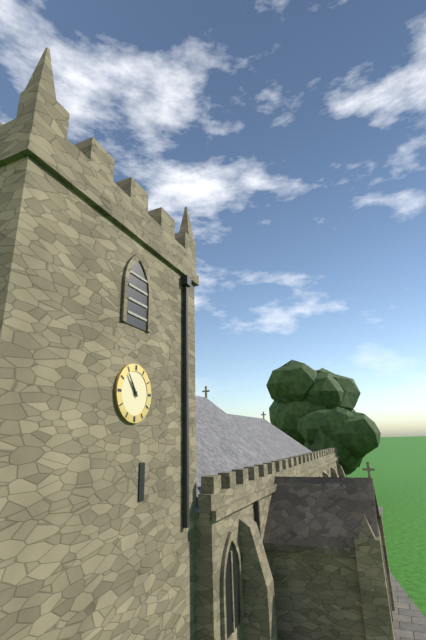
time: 10:54
